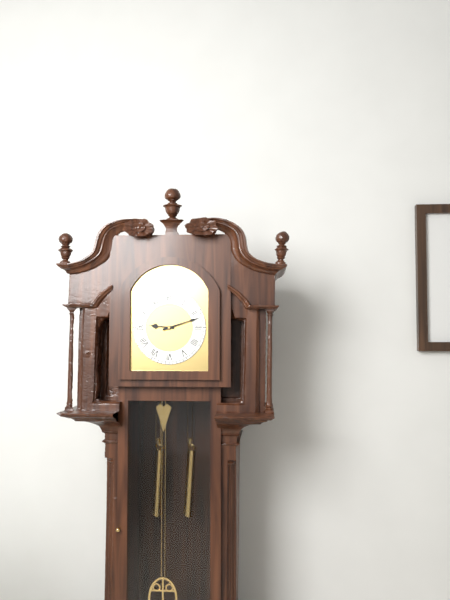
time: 9:12
